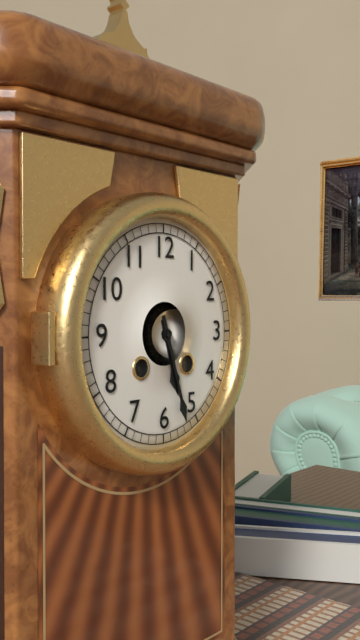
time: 5:27
